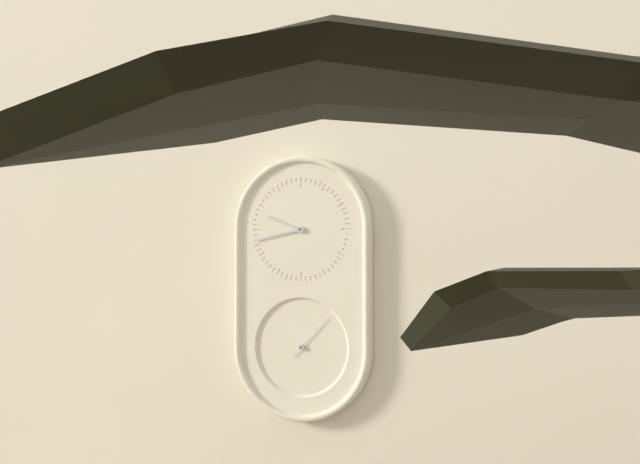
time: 9:43
